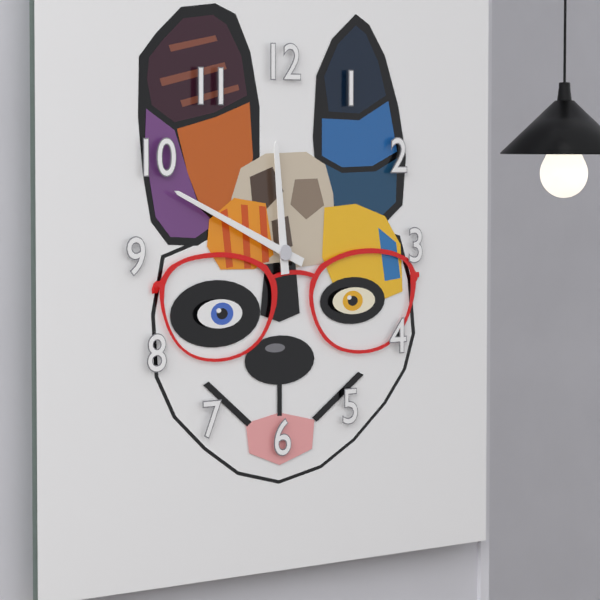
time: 11:49
